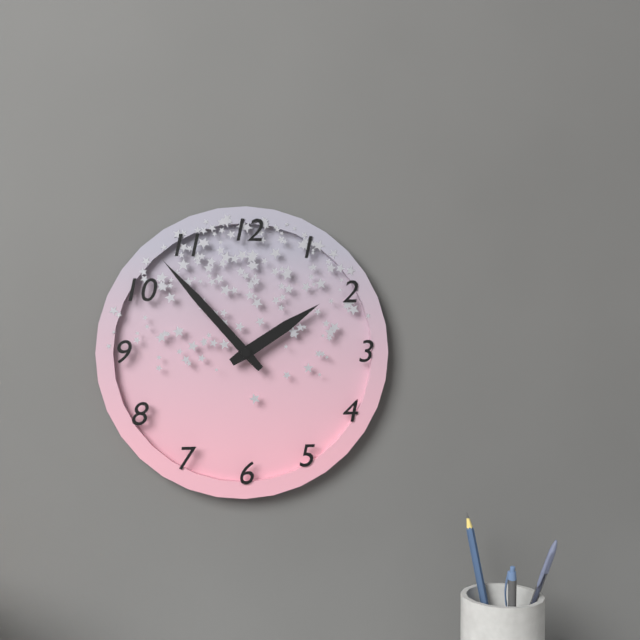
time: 1:53
